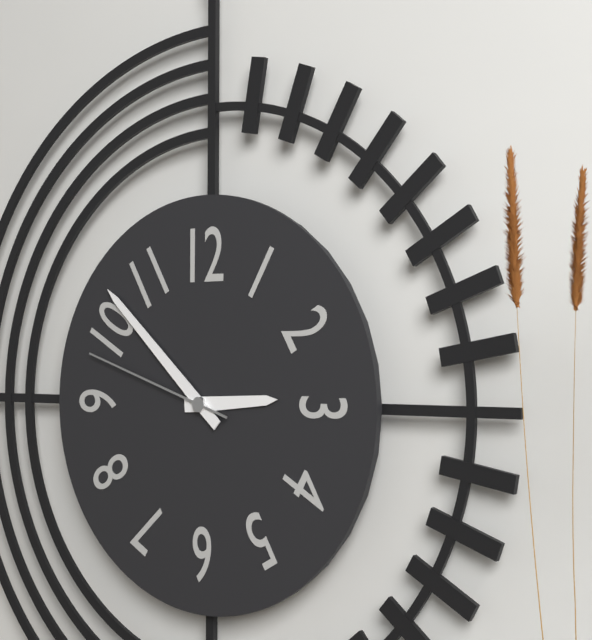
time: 2:52:48
